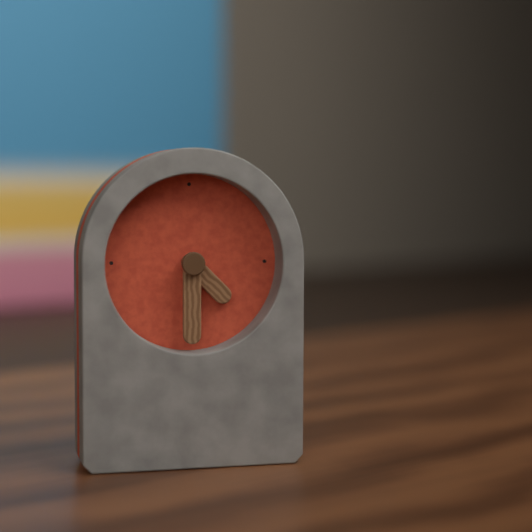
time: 4:30
